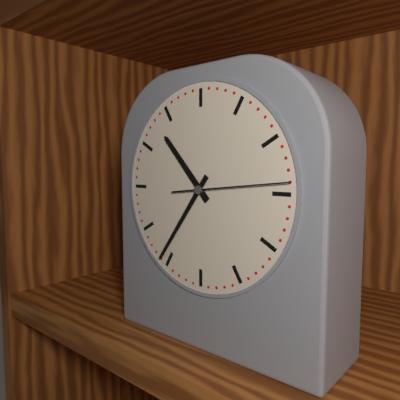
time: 10:36:14
